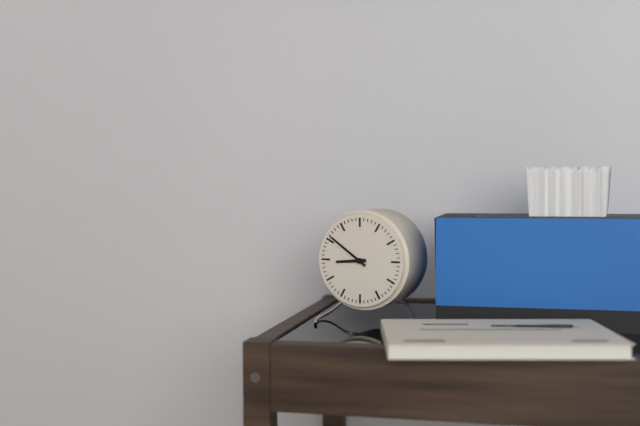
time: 8:51
